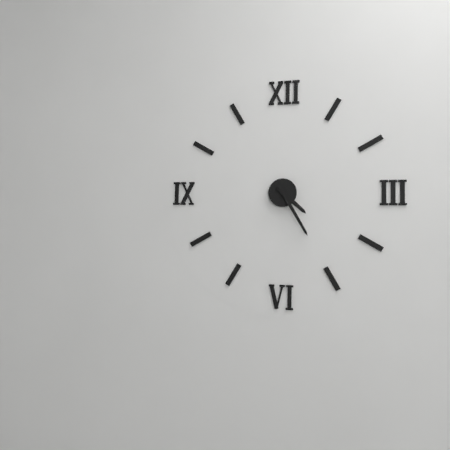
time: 4:25
